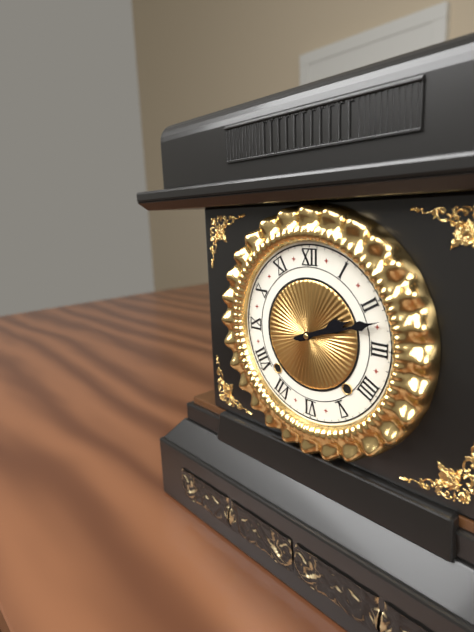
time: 2:12
